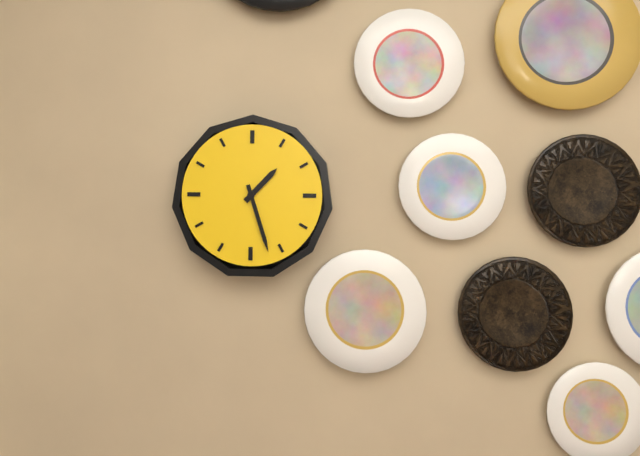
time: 1:27
